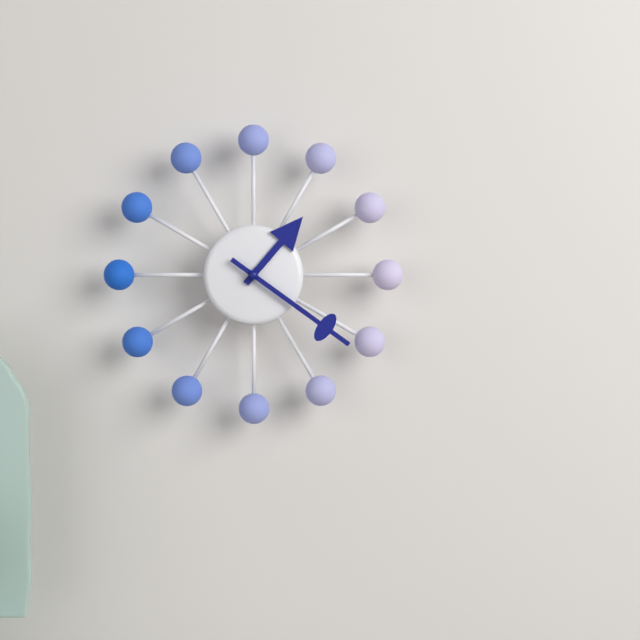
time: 1:21
